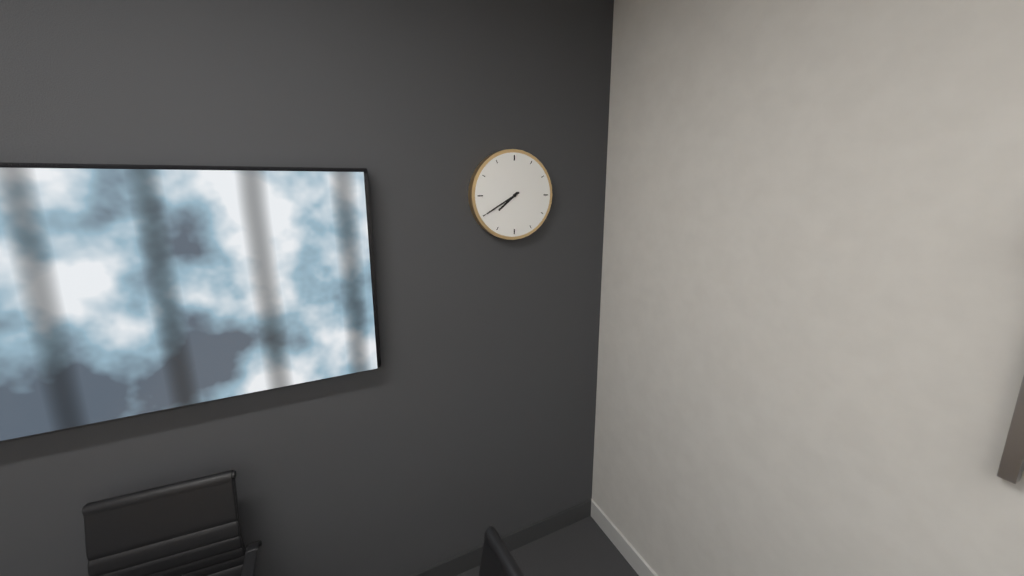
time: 7:40
